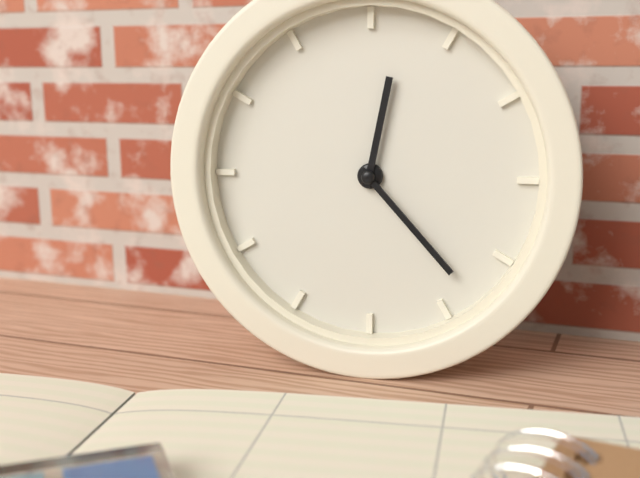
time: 12:23
